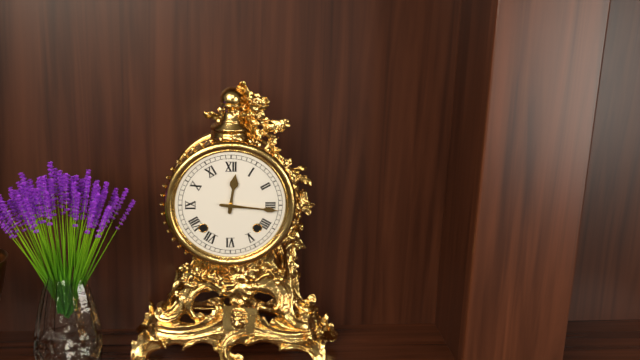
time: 12:16
